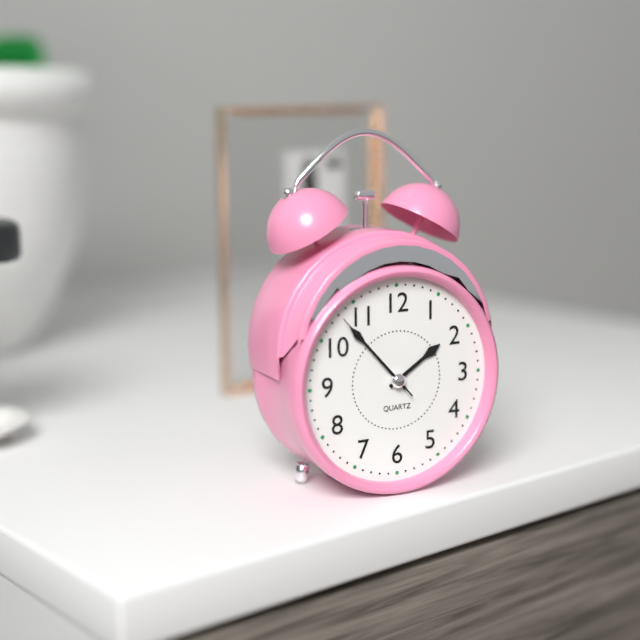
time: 1:53:53
